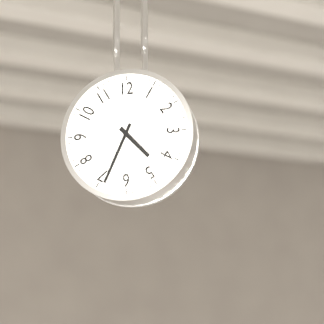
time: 4:34
